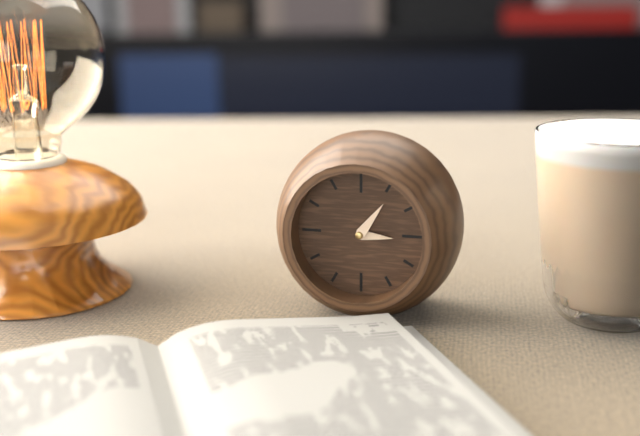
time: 3:06
